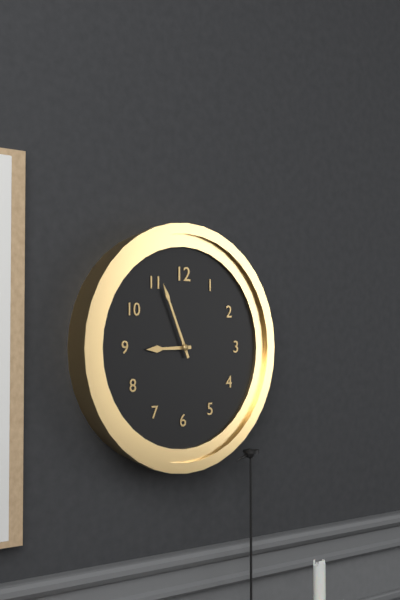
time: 8:56
